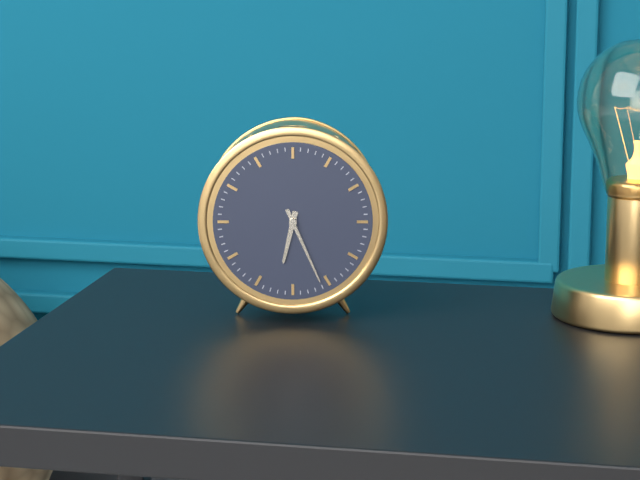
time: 6:26
